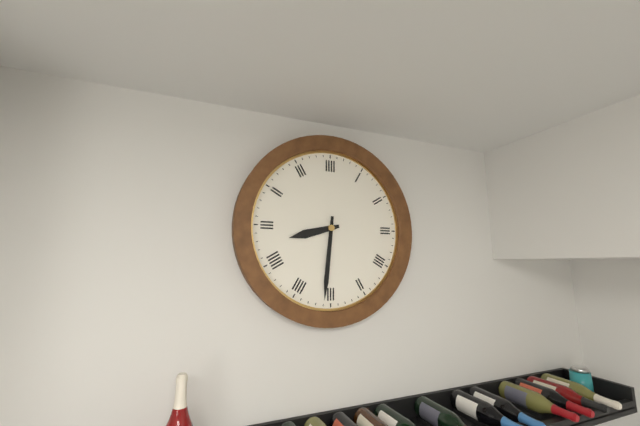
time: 8:31
